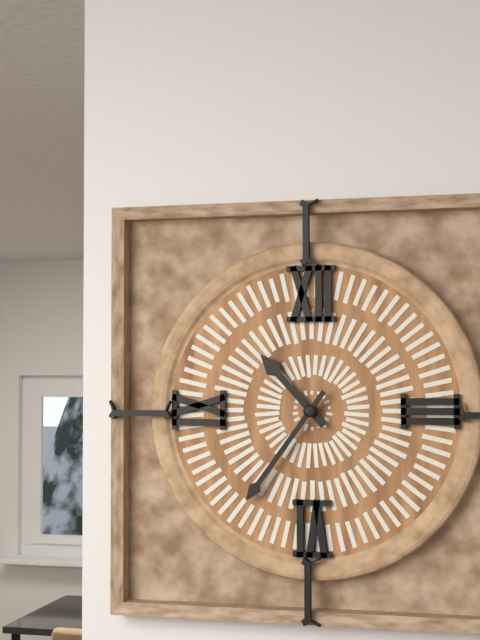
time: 10:36
